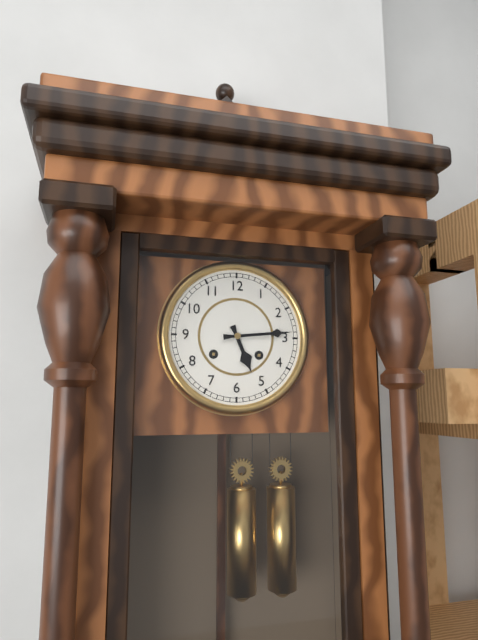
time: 5:14
